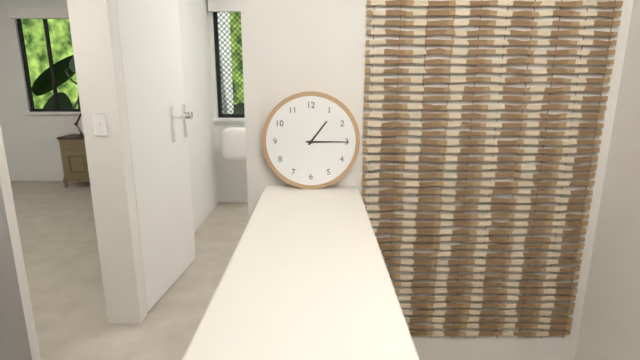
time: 1:15
